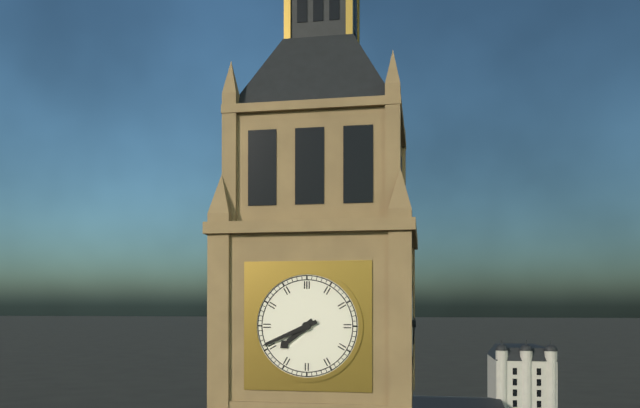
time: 7:41
